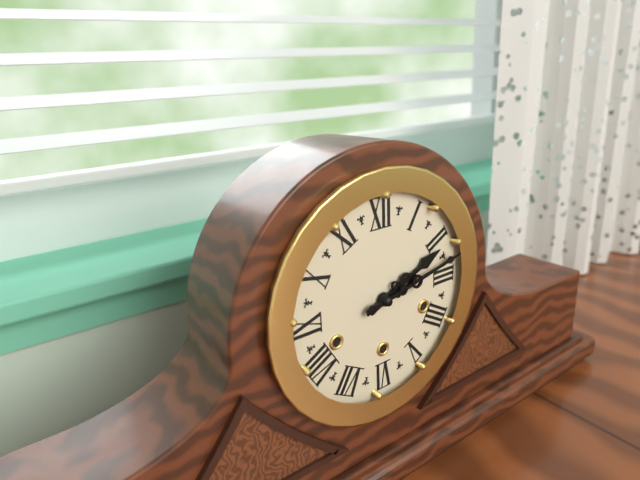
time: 2:13
